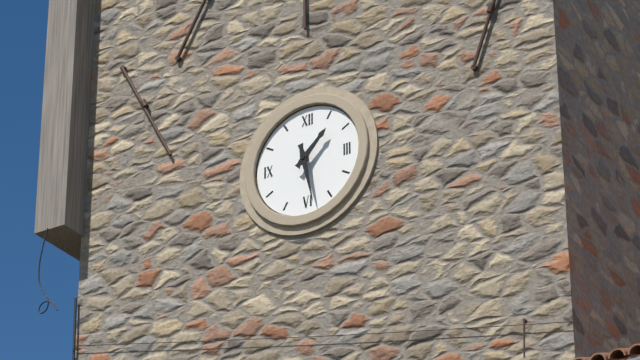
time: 1:28
